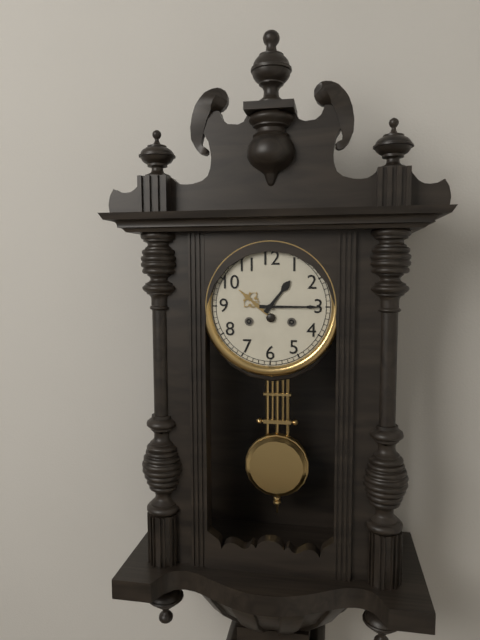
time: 1:15
